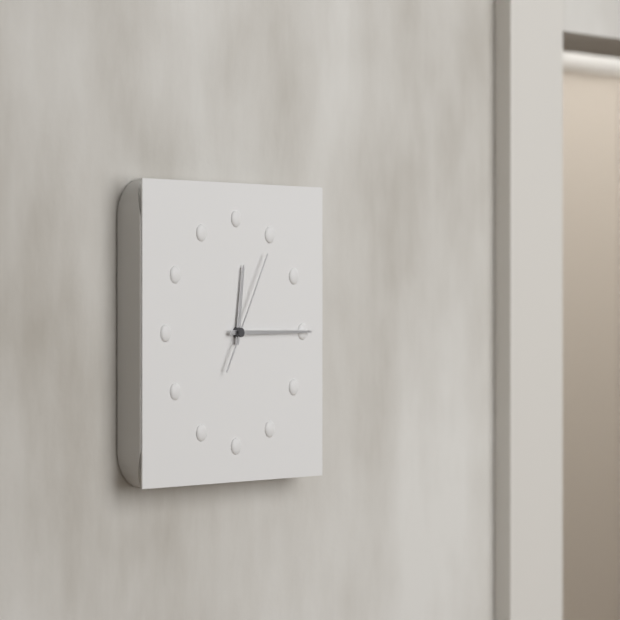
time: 12:15:05
